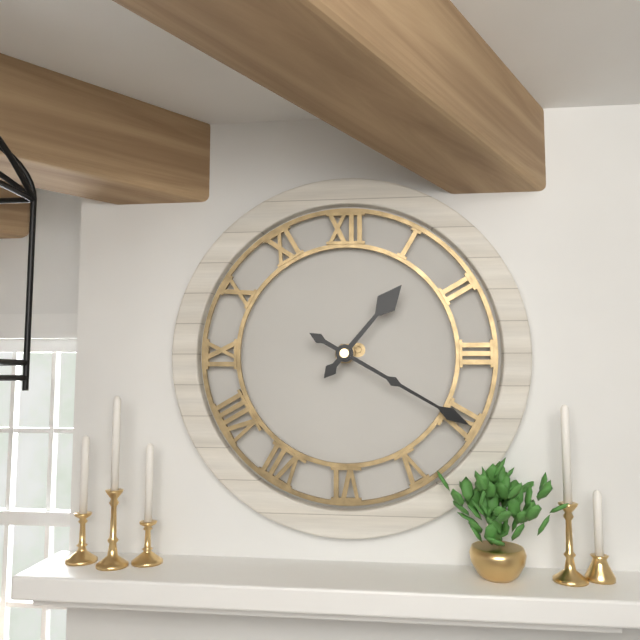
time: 1:20
